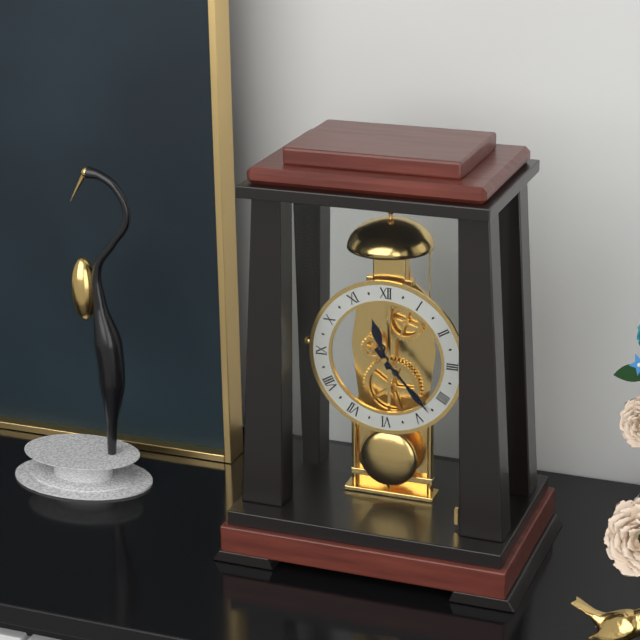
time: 11:23
